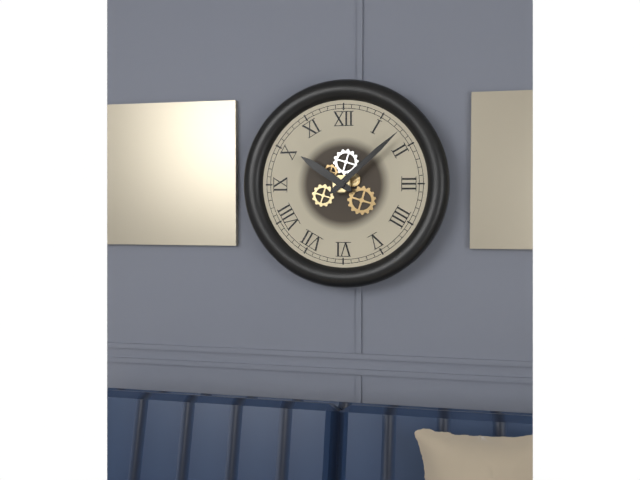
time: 10:08
